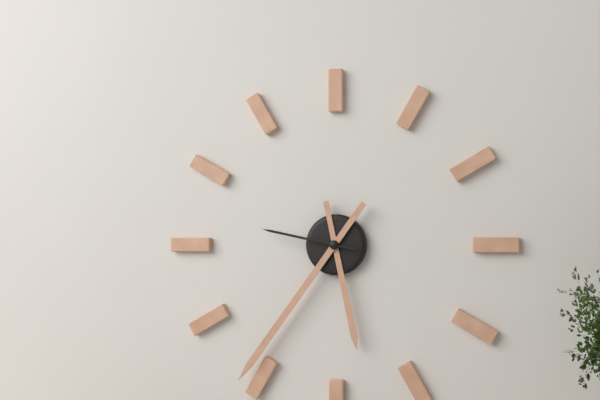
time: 5:36:47
